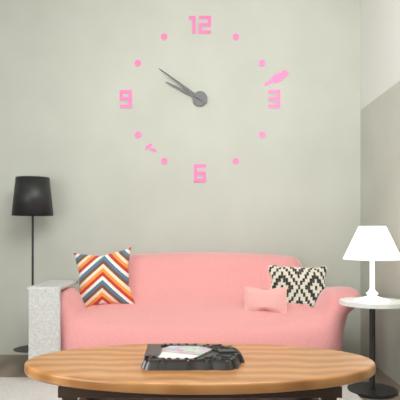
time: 9:51
